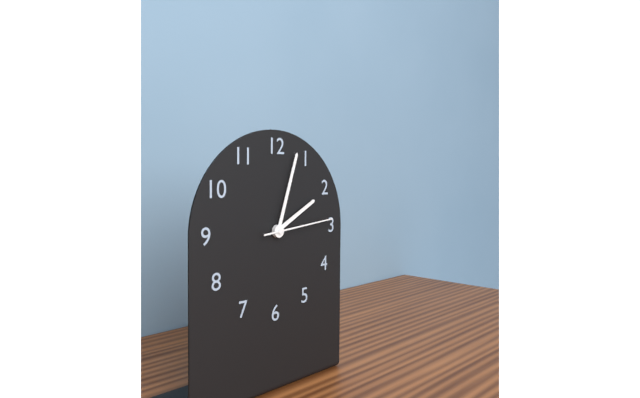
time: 2:03:14
